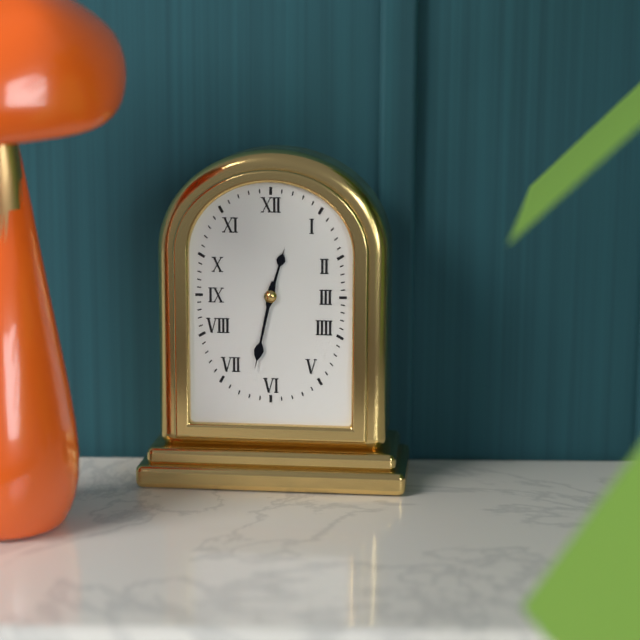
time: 12:32
